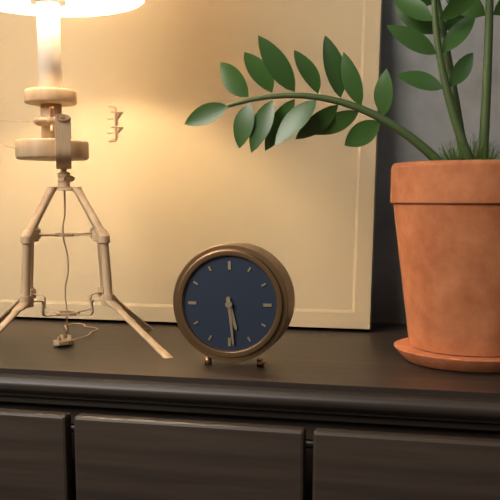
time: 5:29
